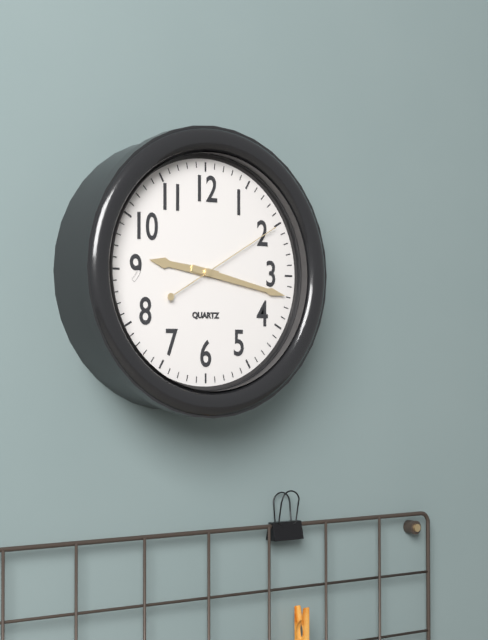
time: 9:17:10
